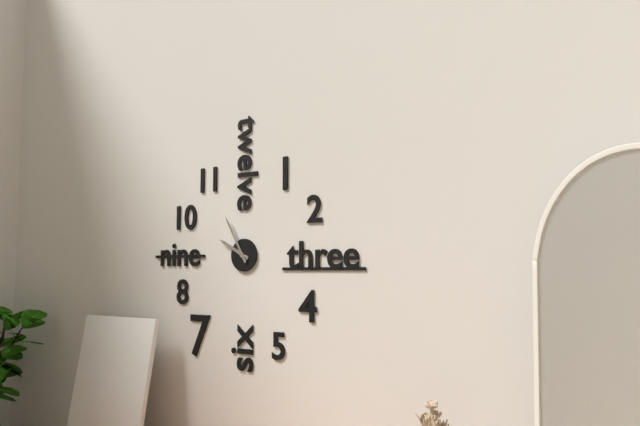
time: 9:55
